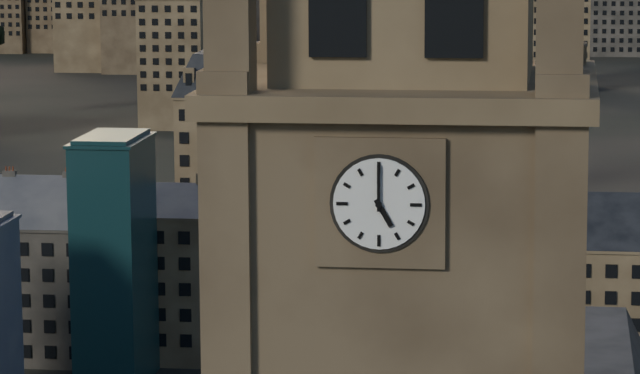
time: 5:00
